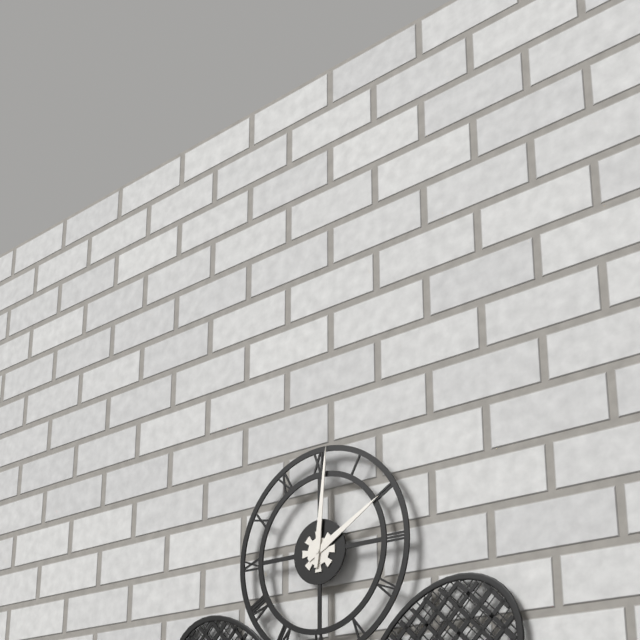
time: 2:01
